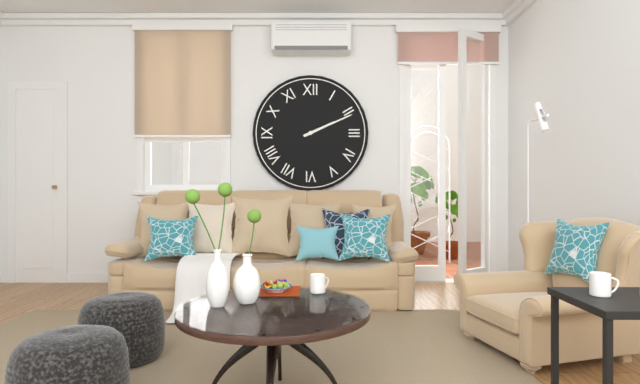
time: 2:11
